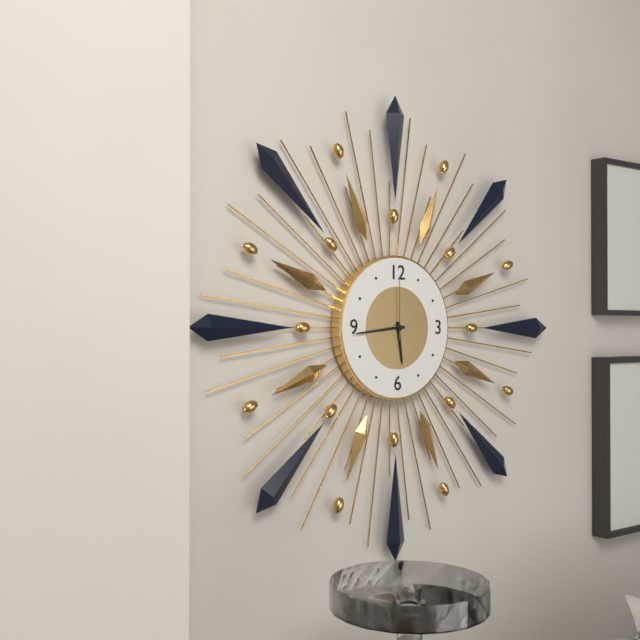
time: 5:44:00
